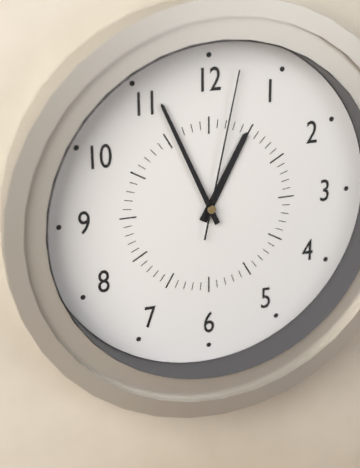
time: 12:56:02
